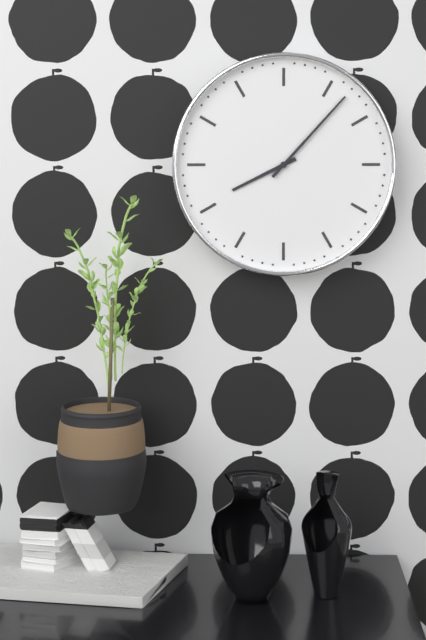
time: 8:07
